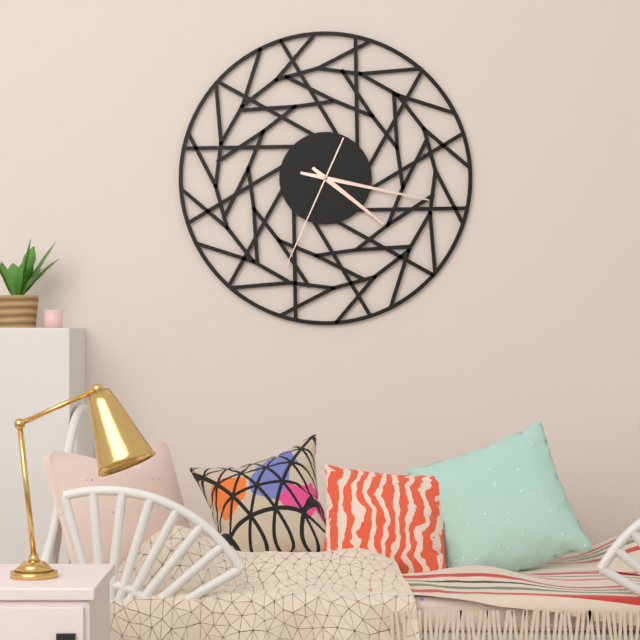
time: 4:17:34
